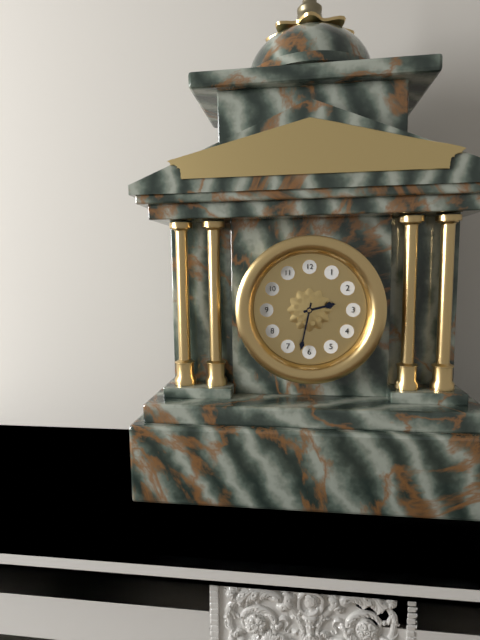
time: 2:32
